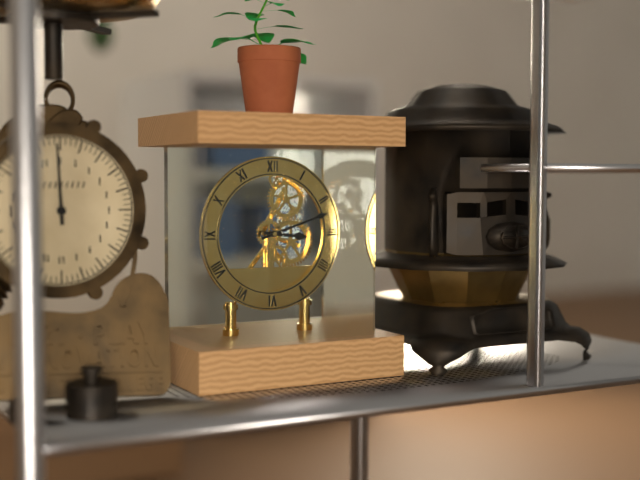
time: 3:12
